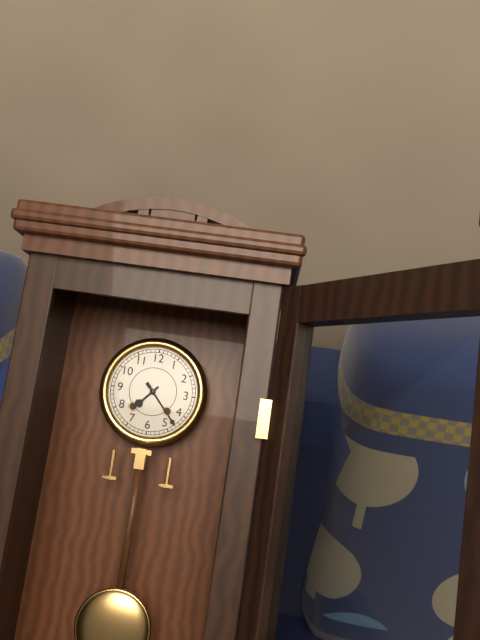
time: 7:23
